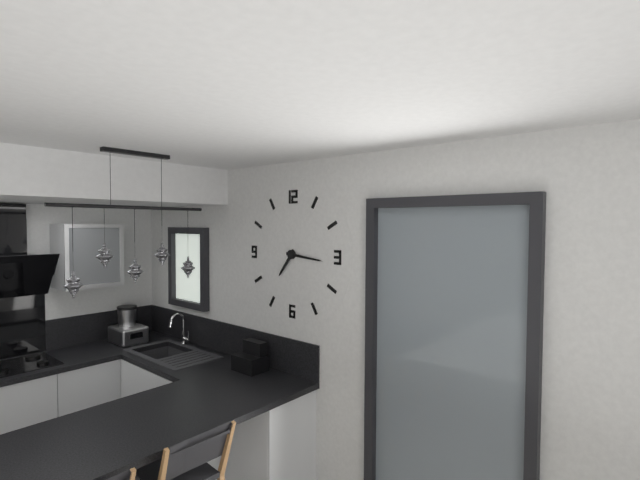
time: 7:16
